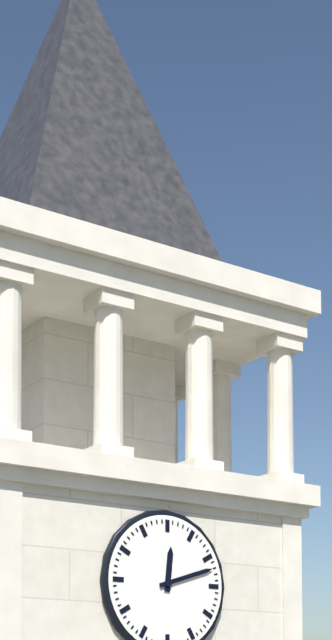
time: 12:12
